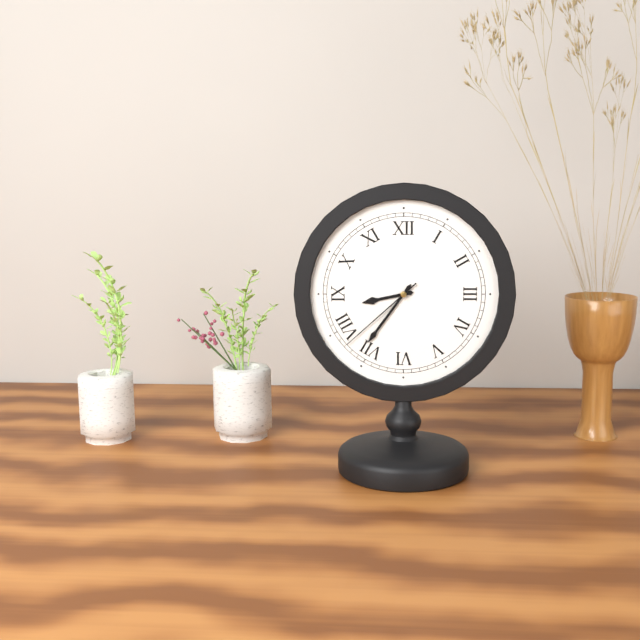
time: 8:36:38
